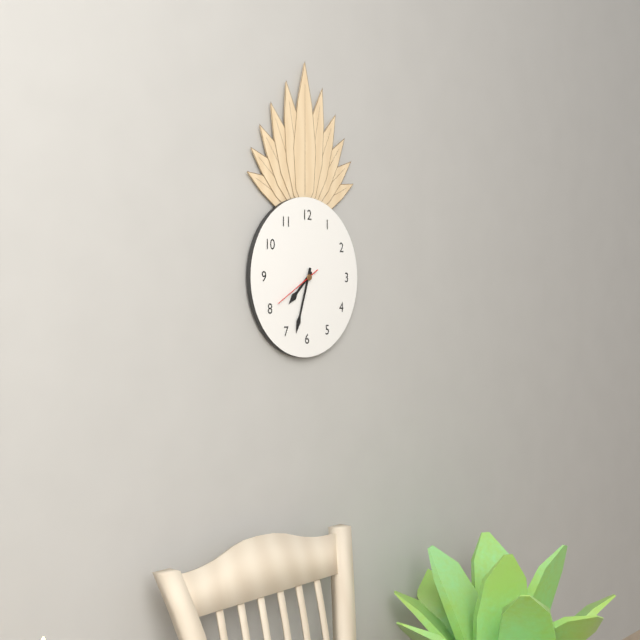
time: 7:33
